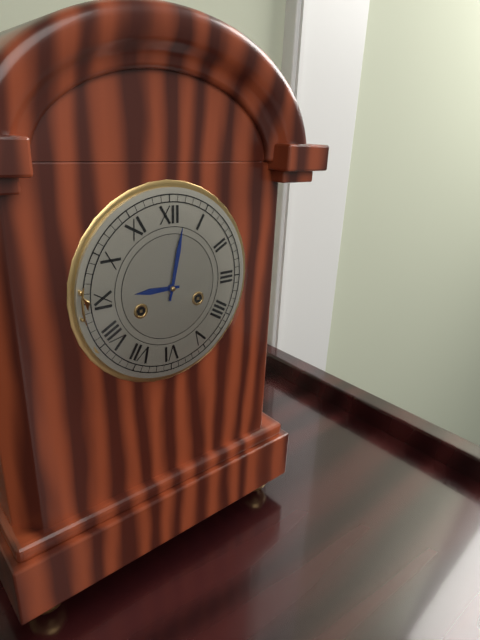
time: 9:02
